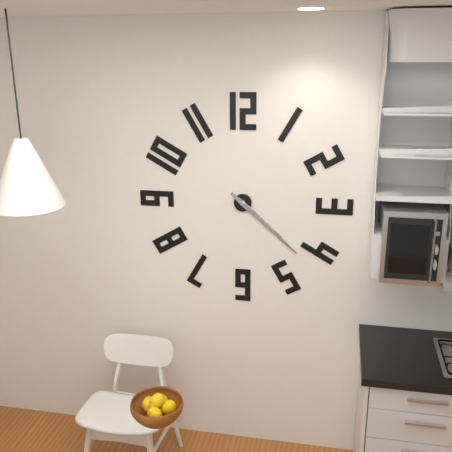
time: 4:22
